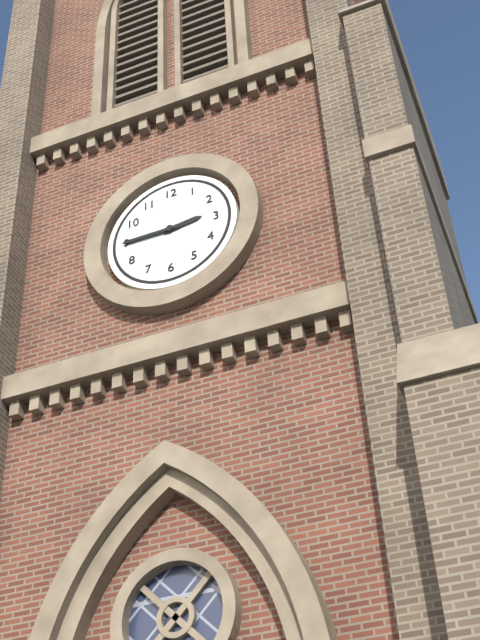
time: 2:45
